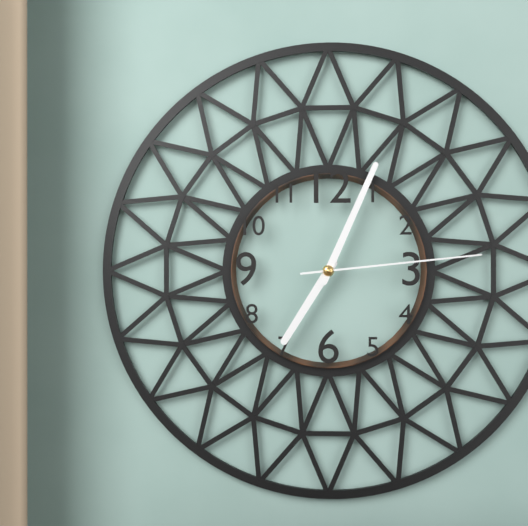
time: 7:04:14
